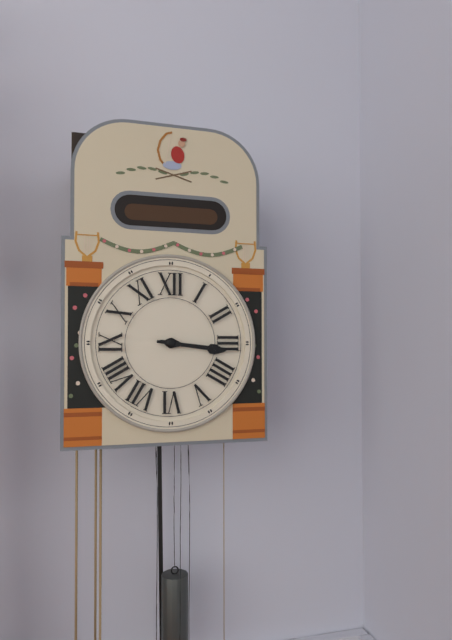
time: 3:16
